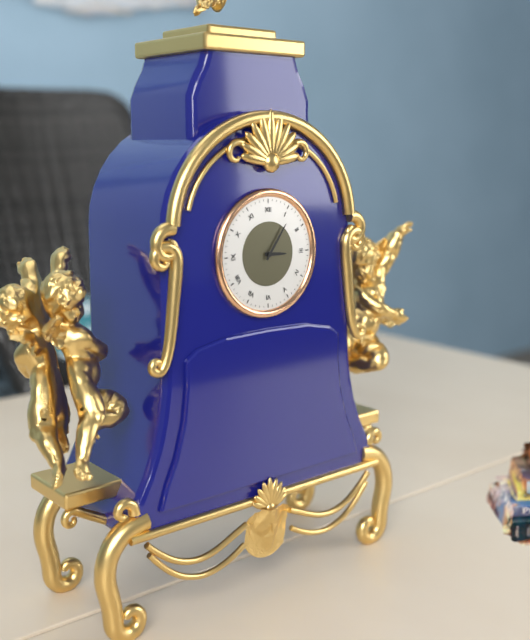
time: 3:06
